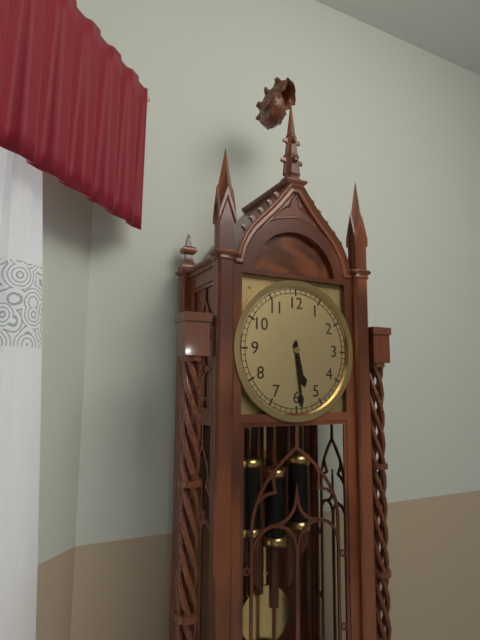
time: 5:29
